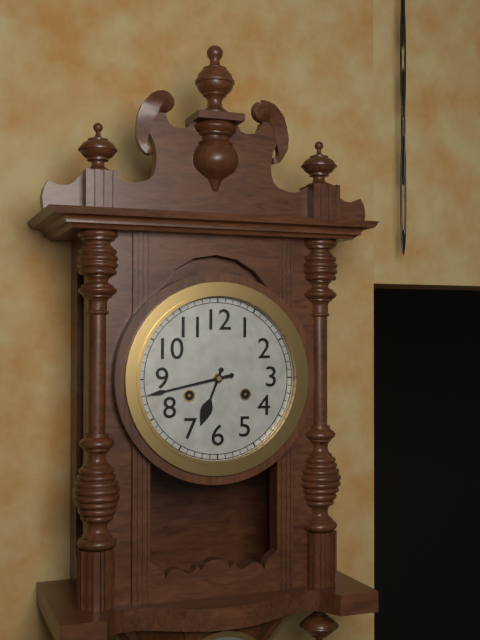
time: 6:43
